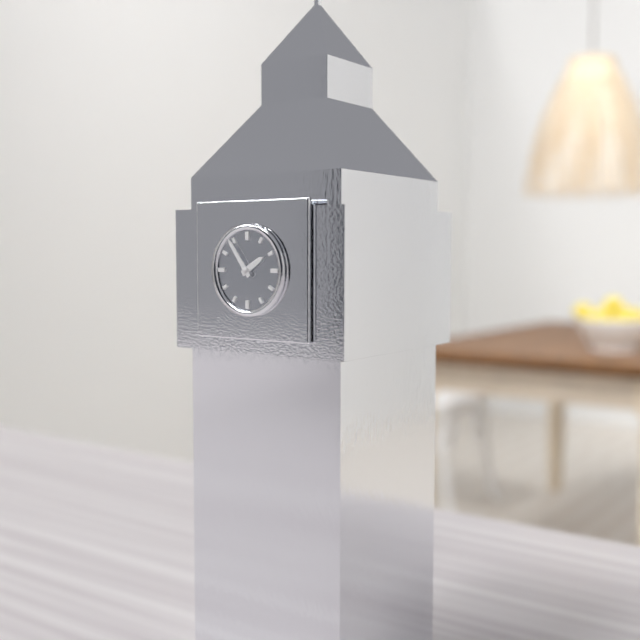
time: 1:54
